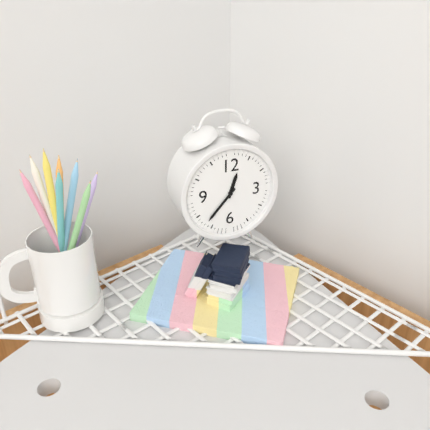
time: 12:37
